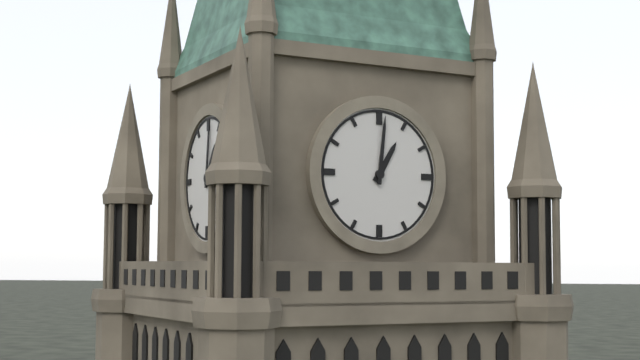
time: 1:01
